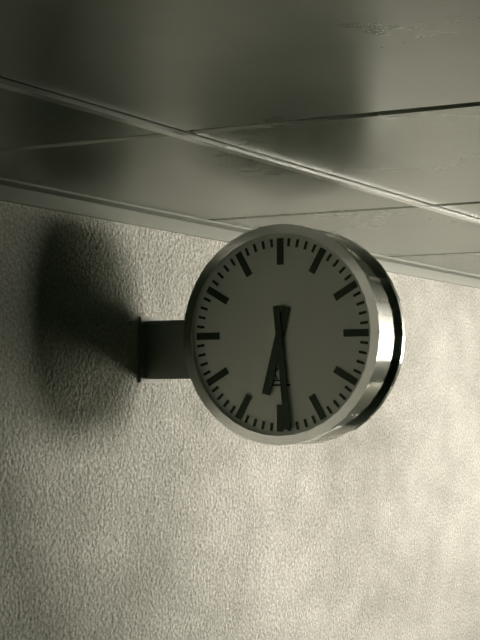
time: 6:29
